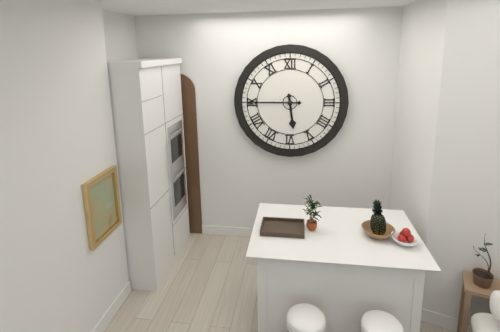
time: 5:45
